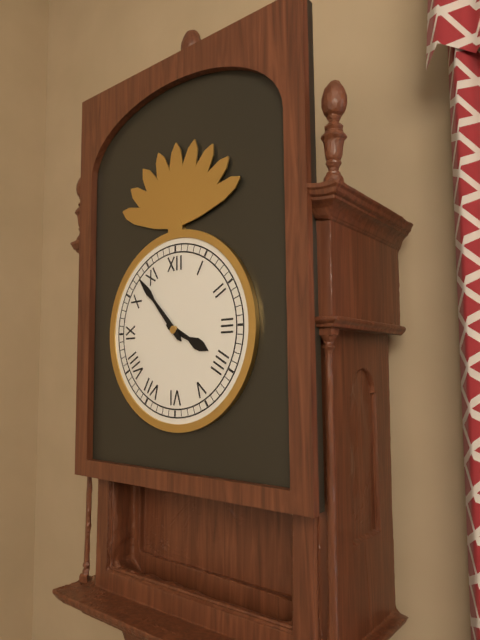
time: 3:53
